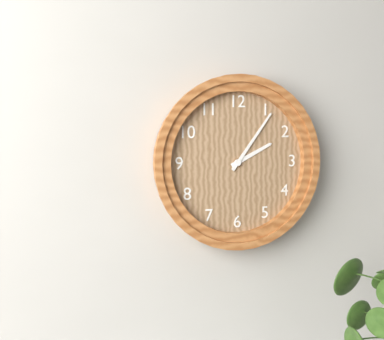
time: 2:06
